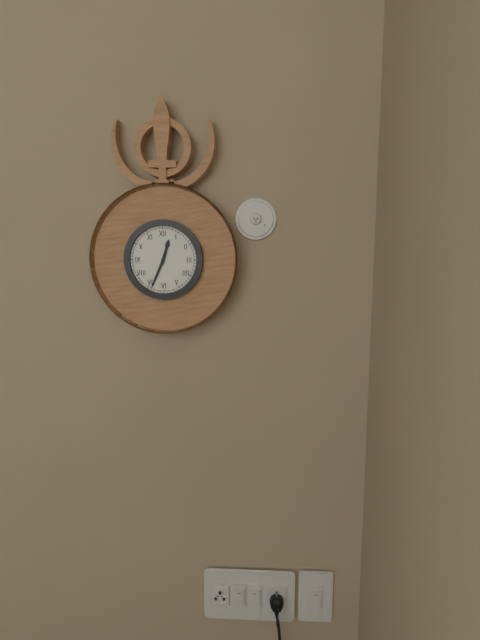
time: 12:34
